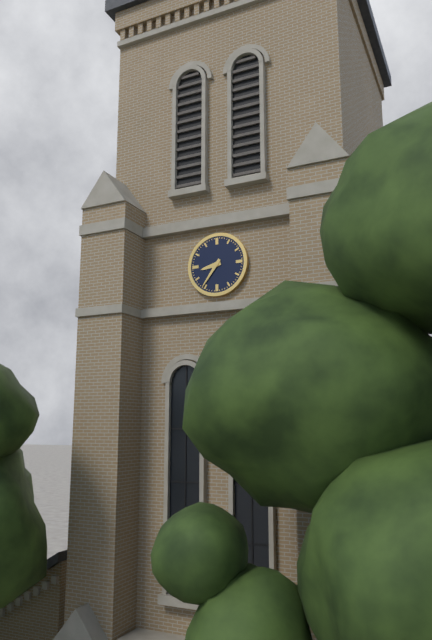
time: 8:36
